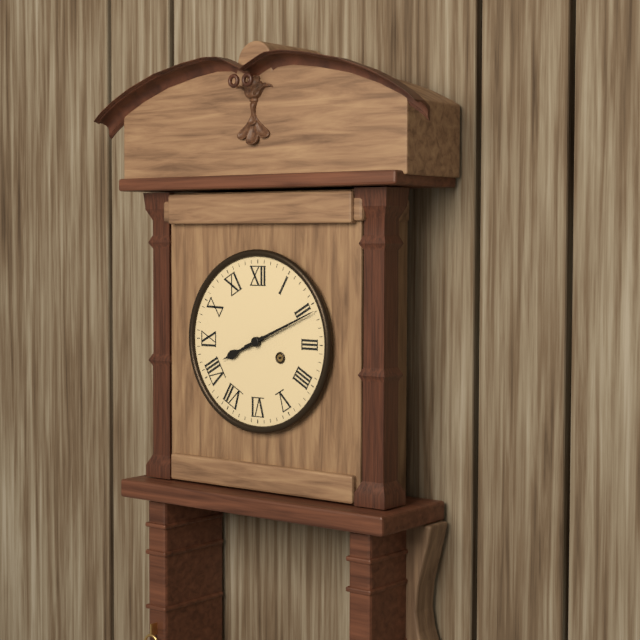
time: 8:11
